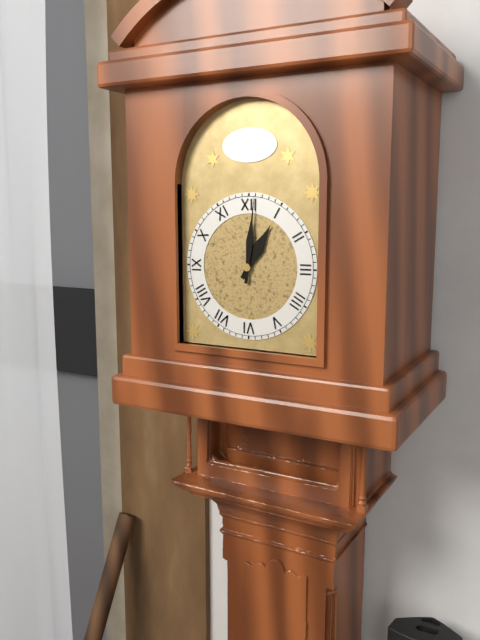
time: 1:01
